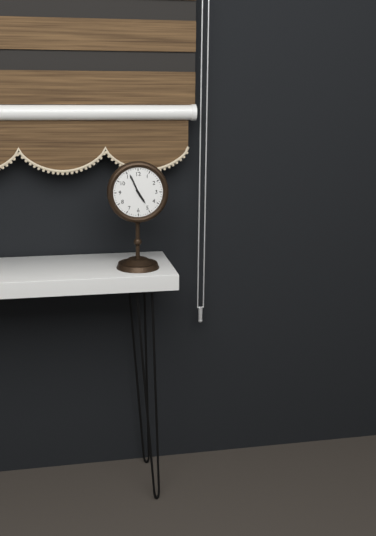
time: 4:56
